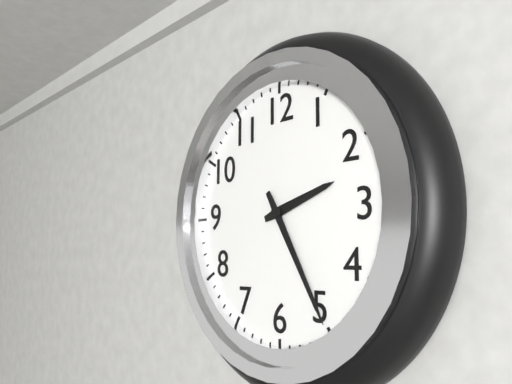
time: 2:25
